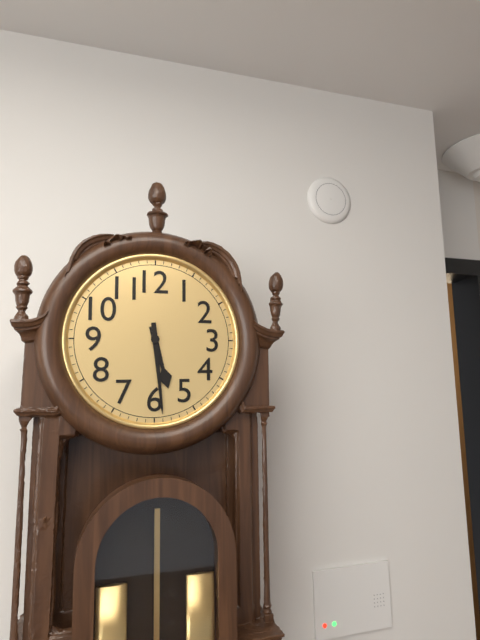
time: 5:29
